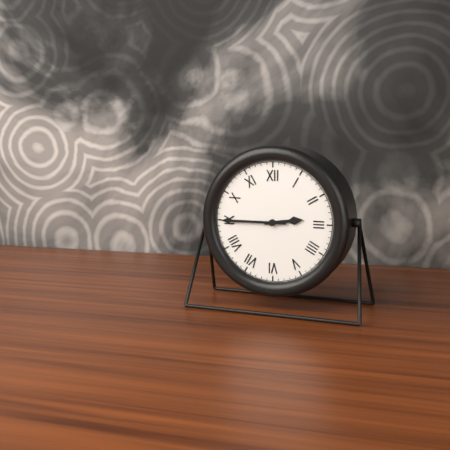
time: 2:45
